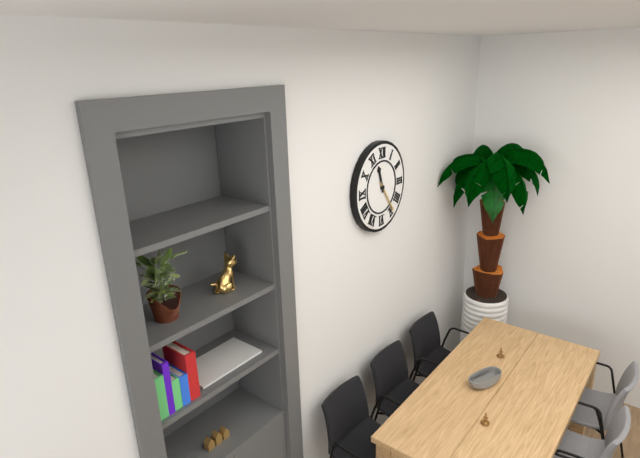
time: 11:24
